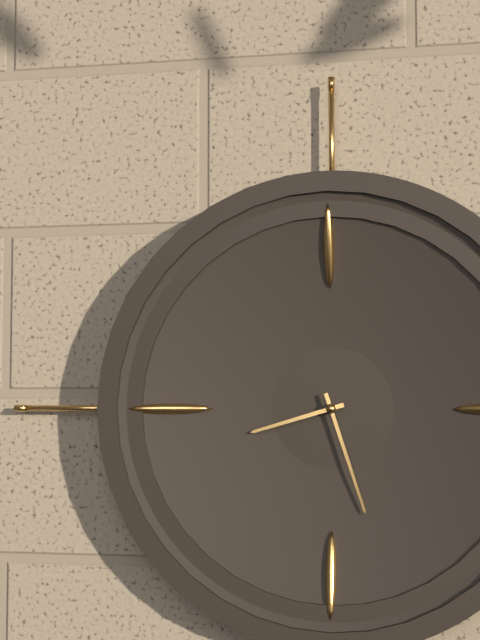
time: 8:27
